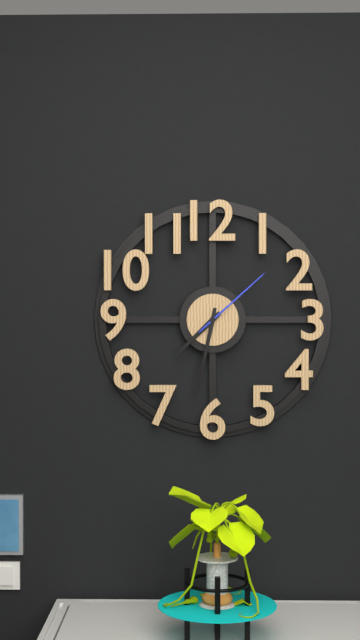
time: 7:32:08
